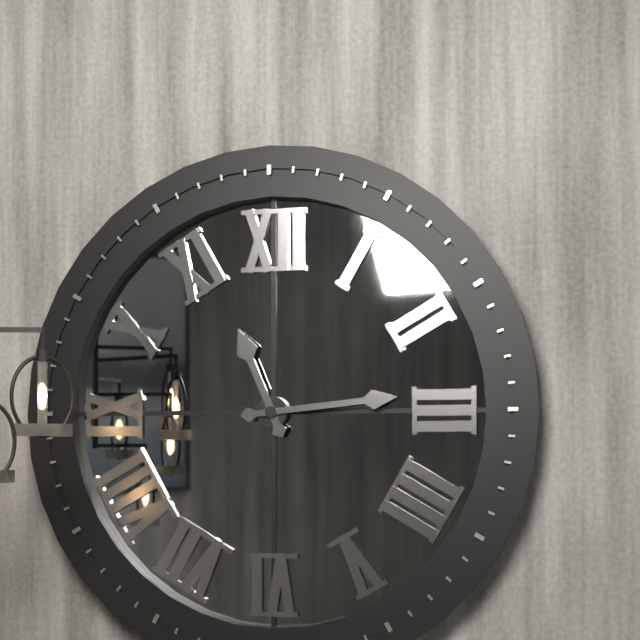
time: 11:14
